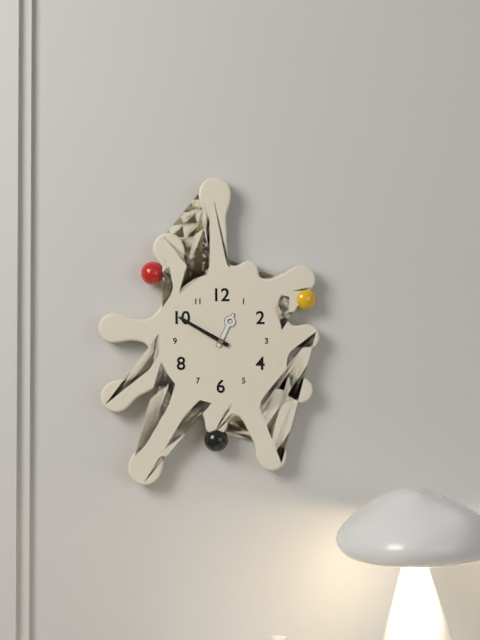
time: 12:50
